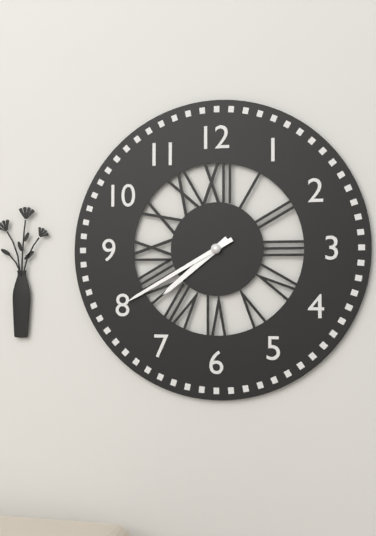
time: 7:40
